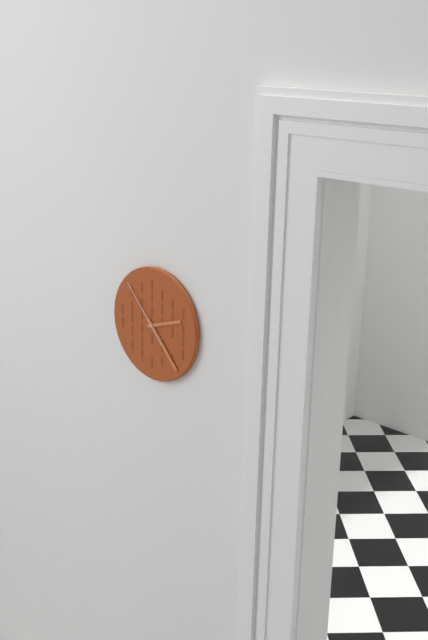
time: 2:23:53
